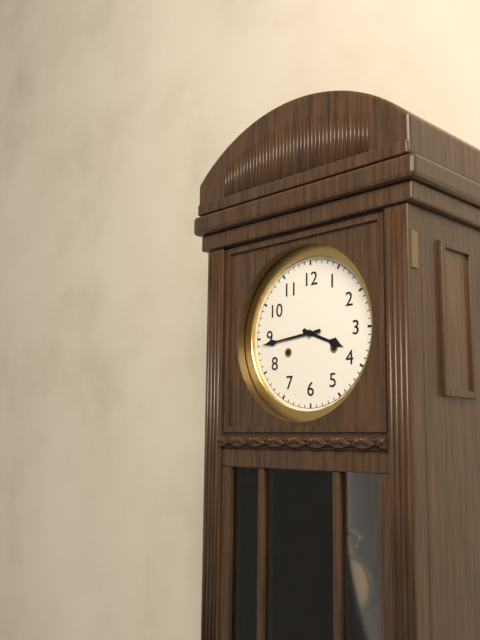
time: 3:44
